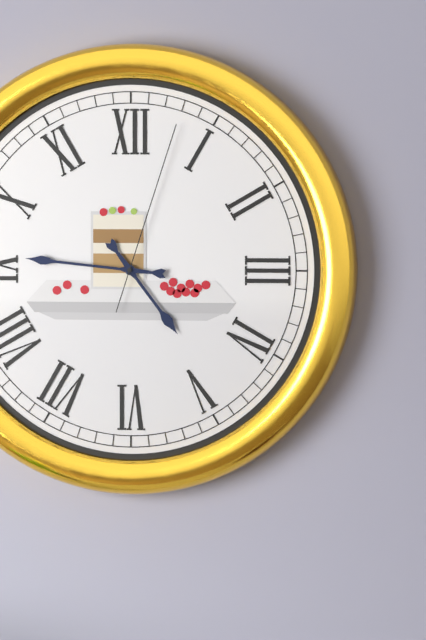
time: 4:46:03
